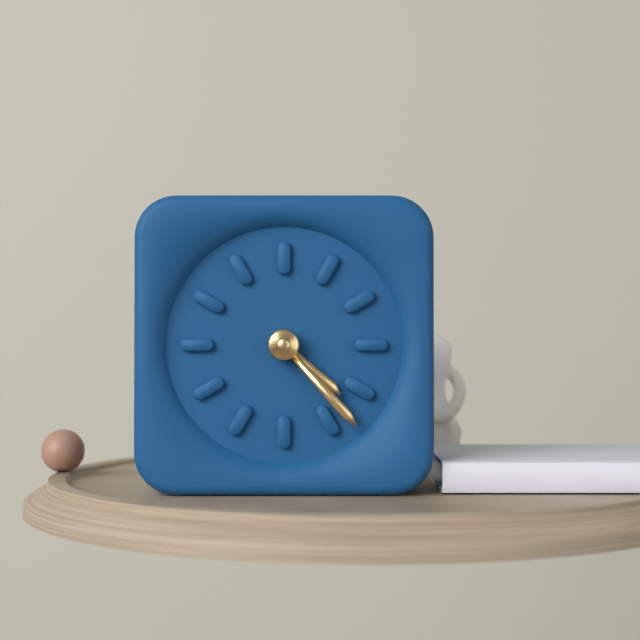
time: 4:23
